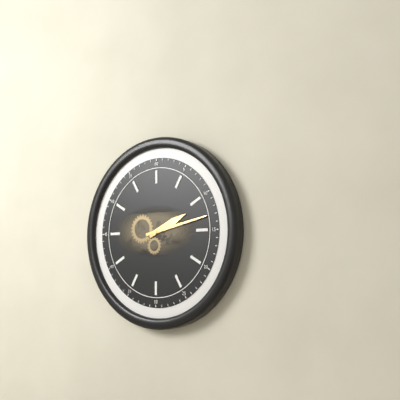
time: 2:13
